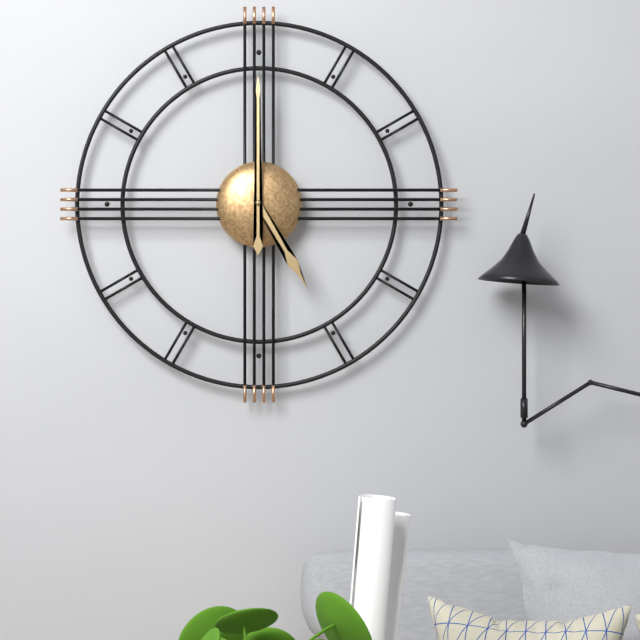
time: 5:00
